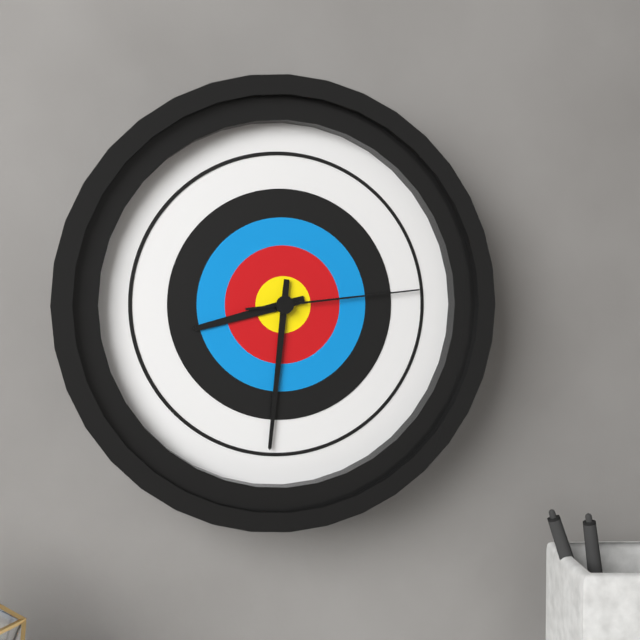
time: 8:31:14
